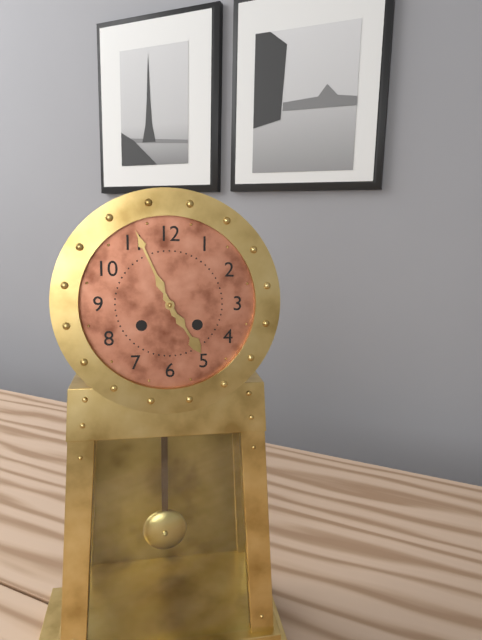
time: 4:56
